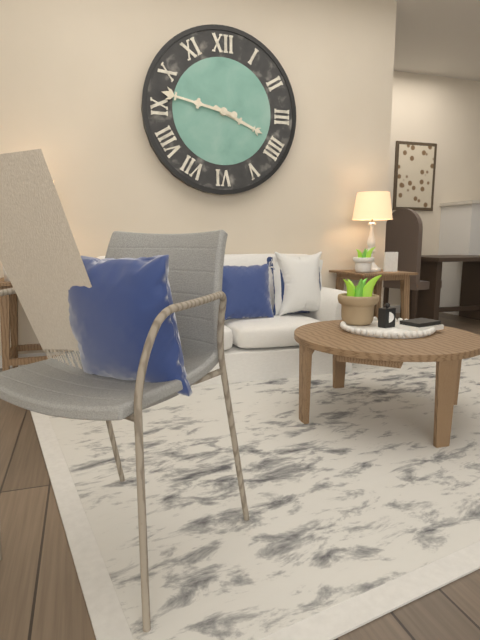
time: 3:47
